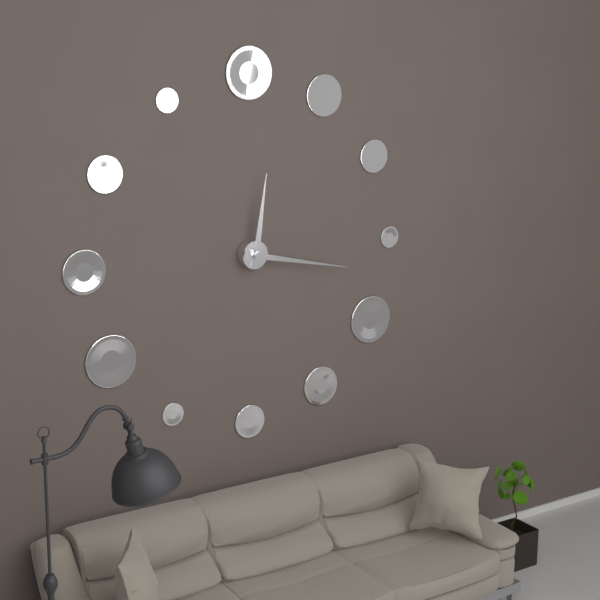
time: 12:17
